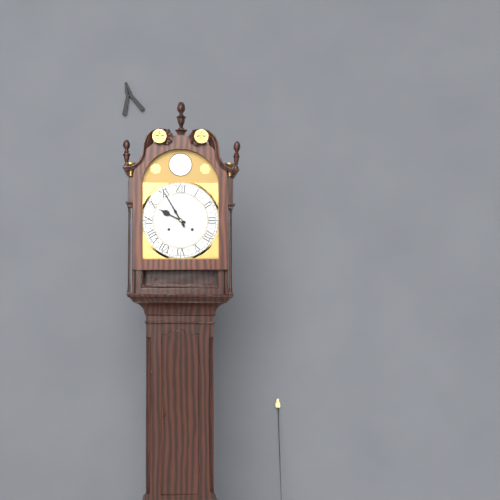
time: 9:55
